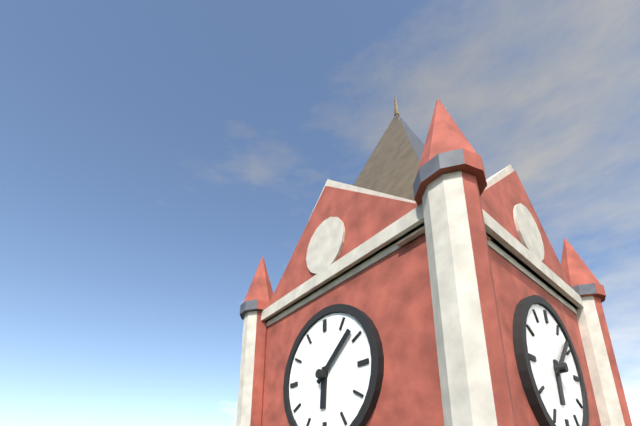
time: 6:08
